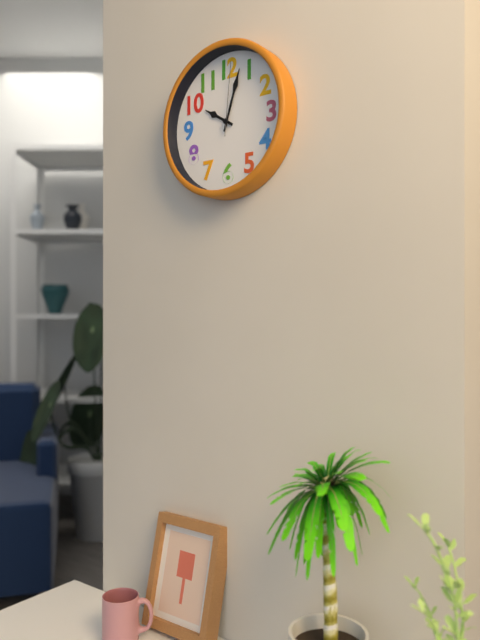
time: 10:03:01
